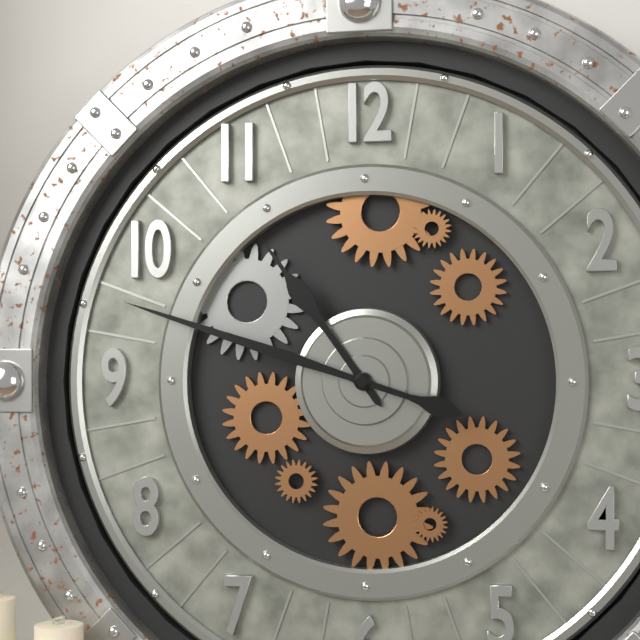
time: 10:48
